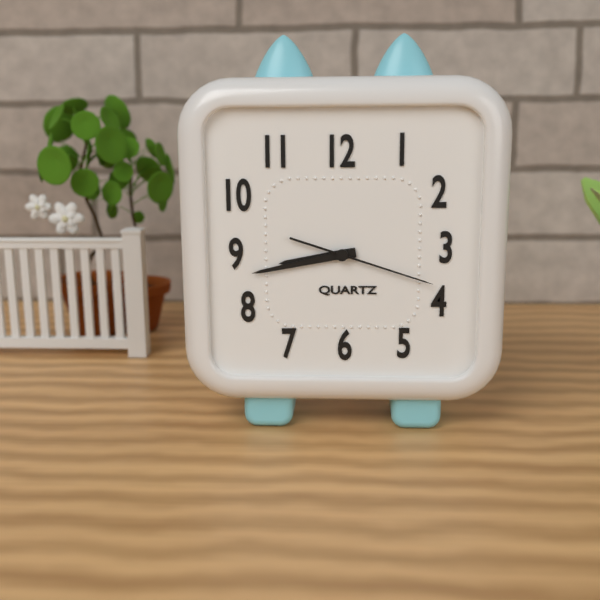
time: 8:43:18
